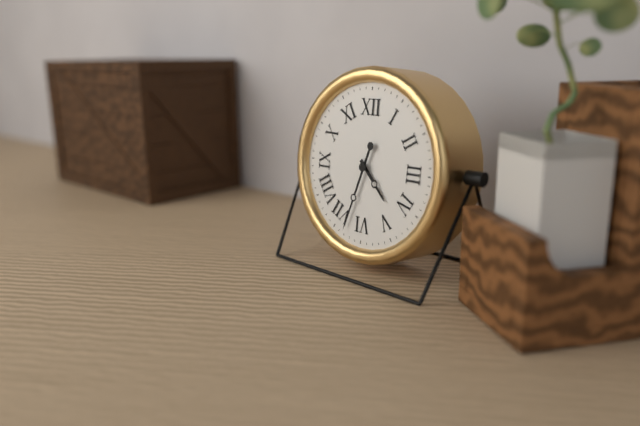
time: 4:33
